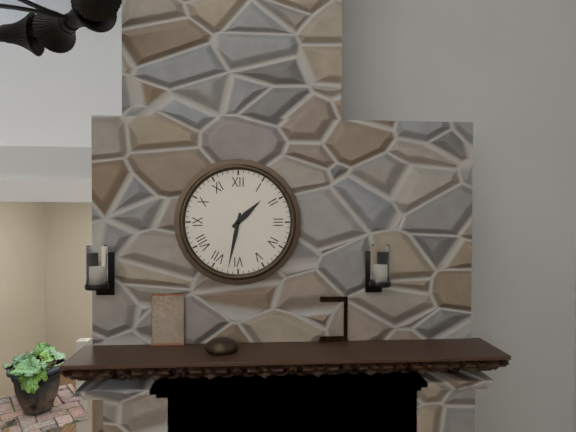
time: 1:32
